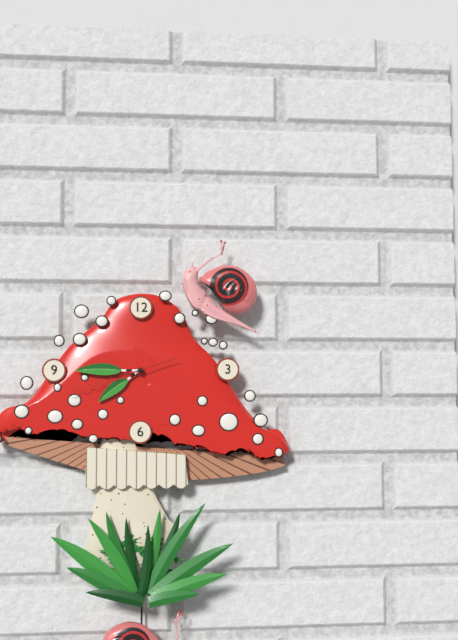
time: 7:45:42
